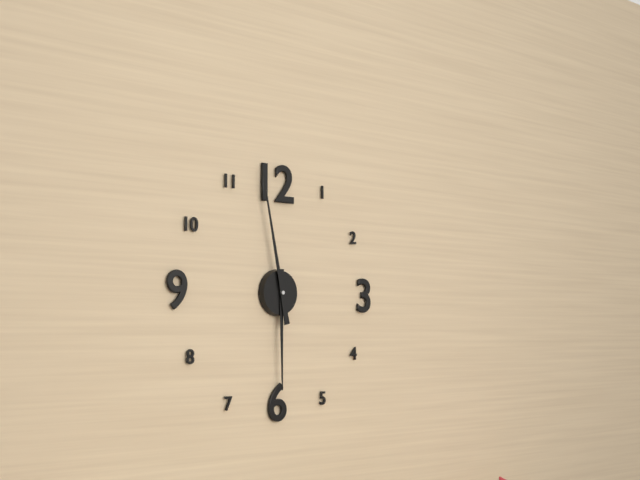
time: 5:58
